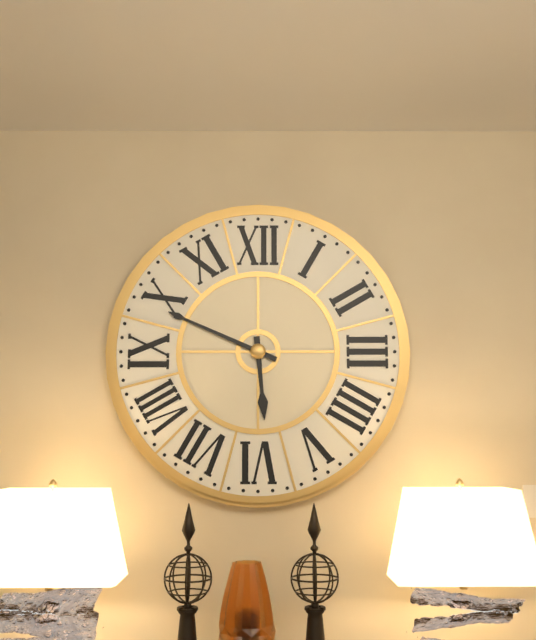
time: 5:49
